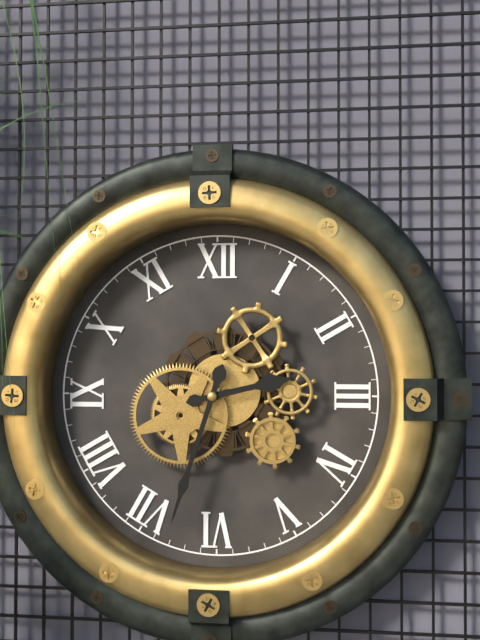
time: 2:33
